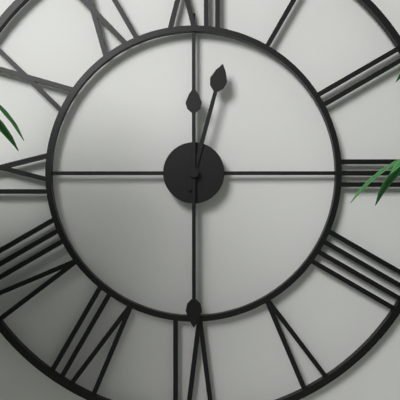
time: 12:30
